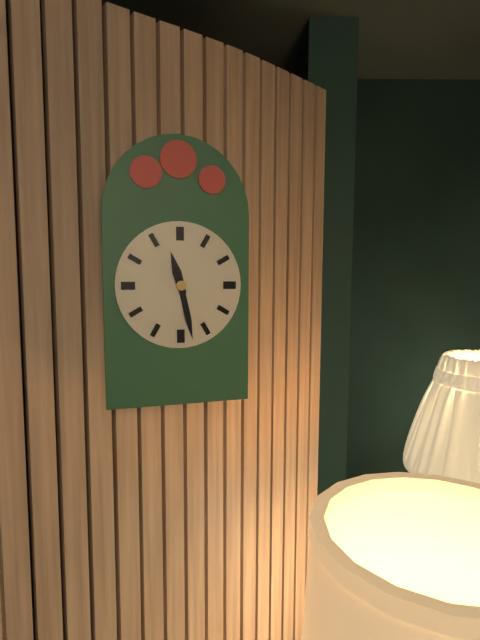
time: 11:28
